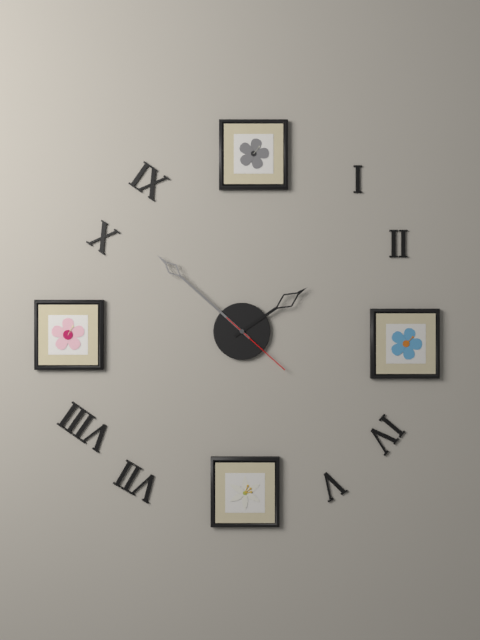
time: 1:52:22
